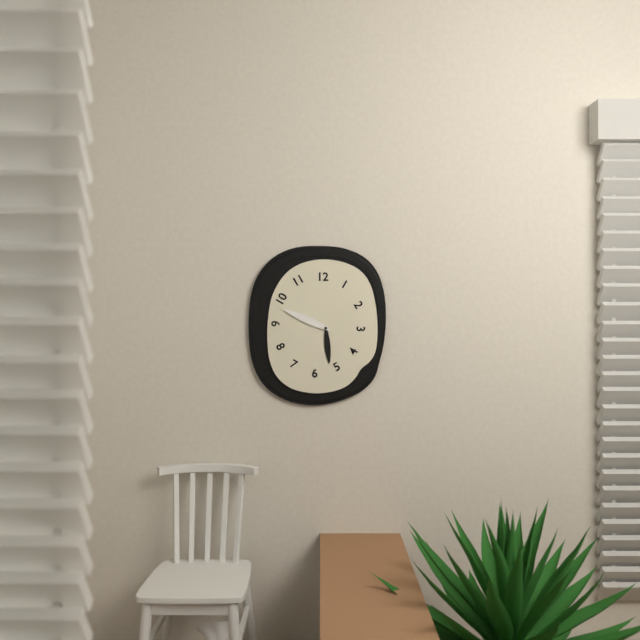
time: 5:49
